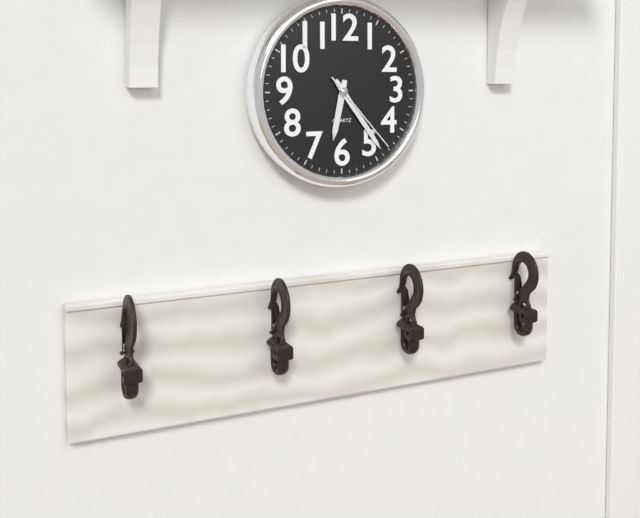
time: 6:24:23
